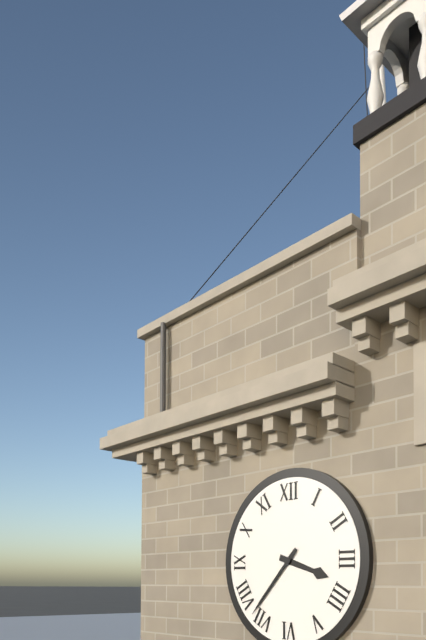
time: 3:37
